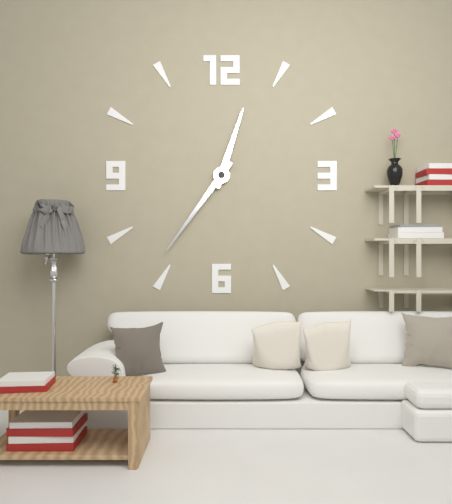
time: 12:36
